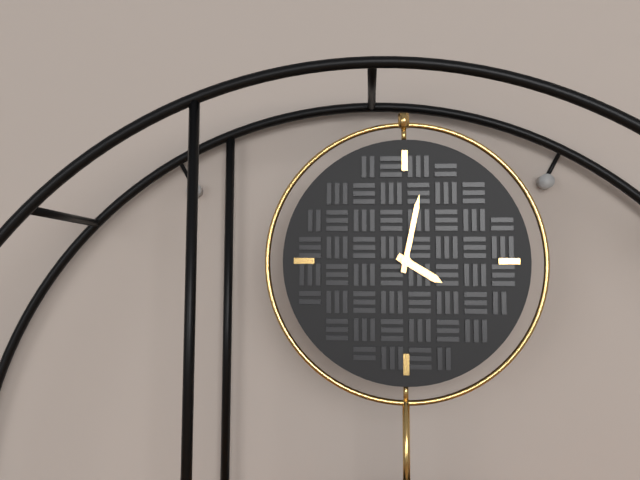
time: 4:02
